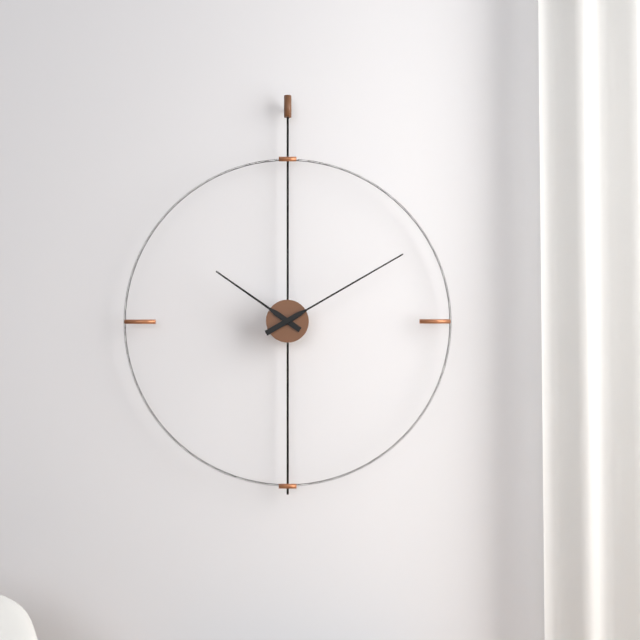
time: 10:10
